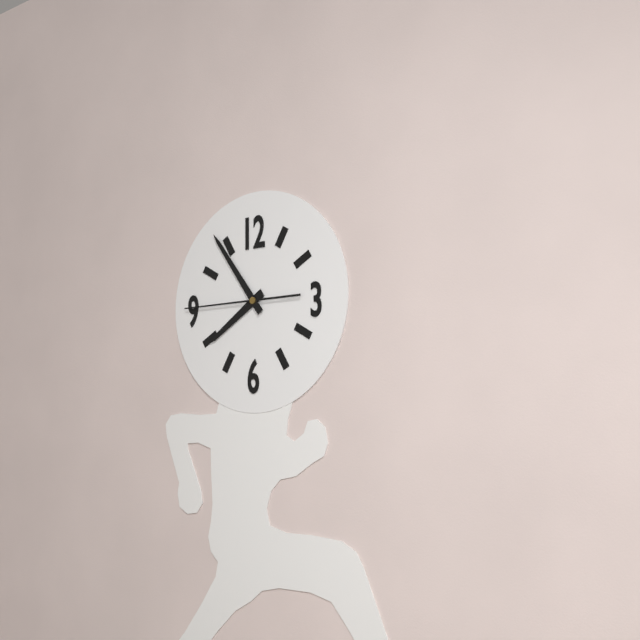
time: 7:54:45
